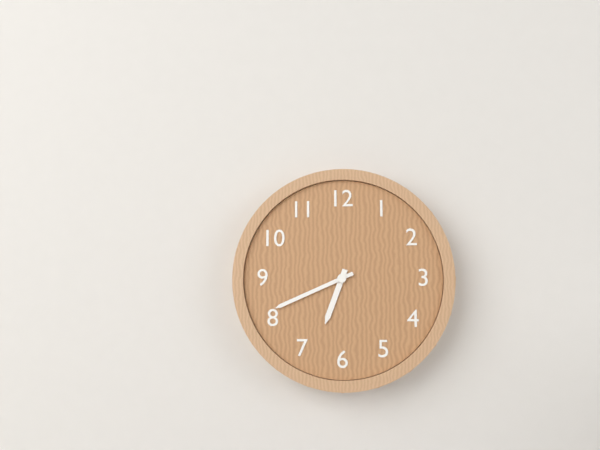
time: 6:41
